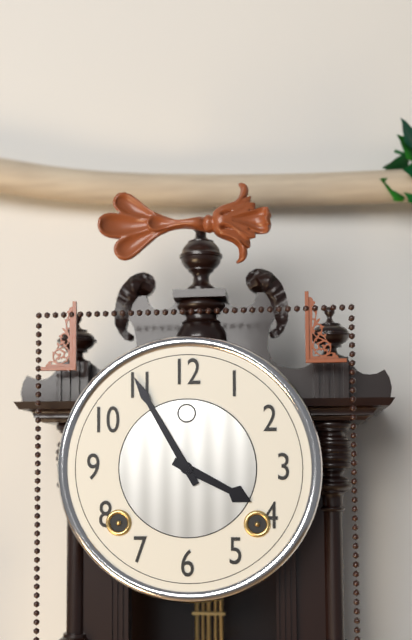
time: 3:55
